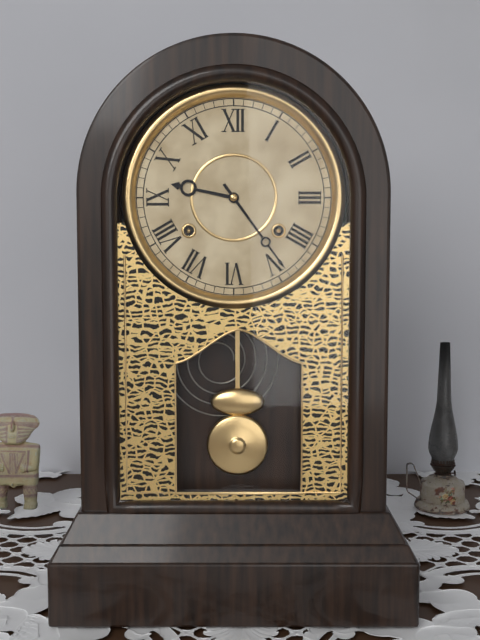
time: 9:24
